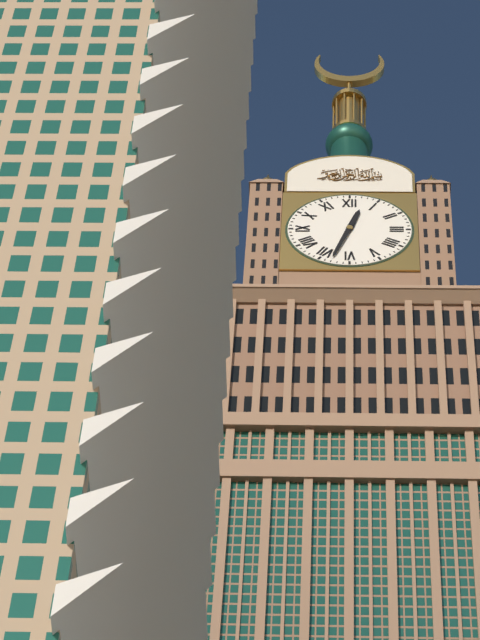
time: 12:33
